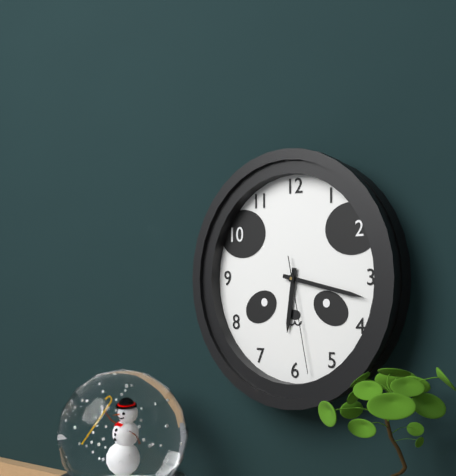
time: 6:17:28
